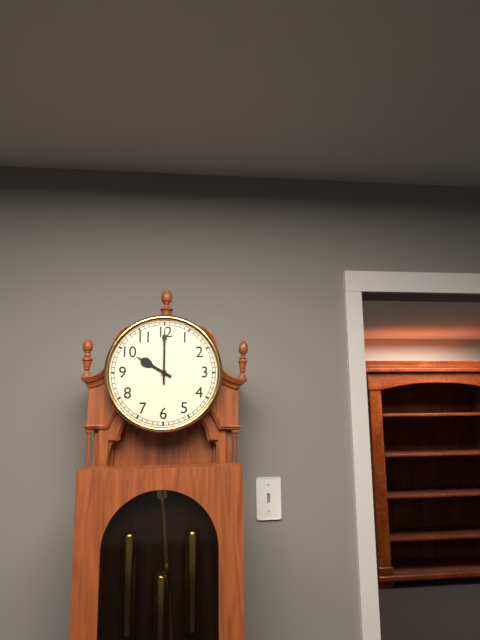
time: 10:00
